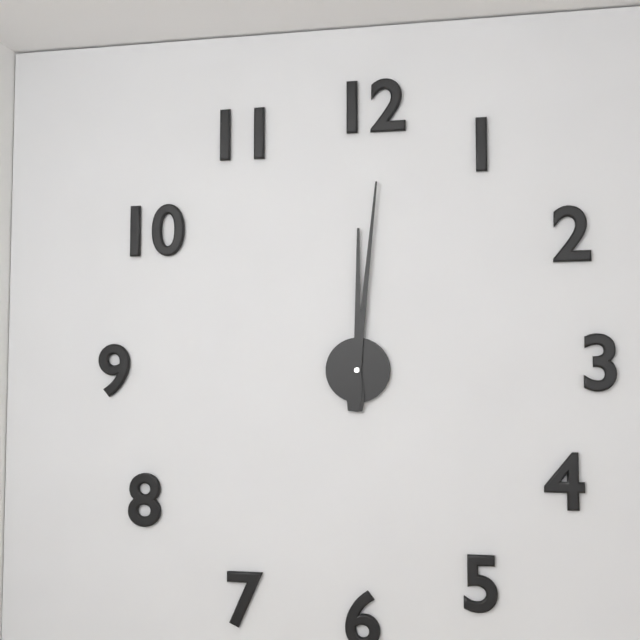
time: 12:01
